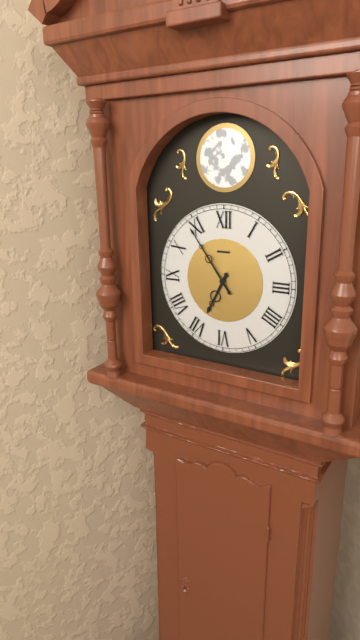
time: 6:54
